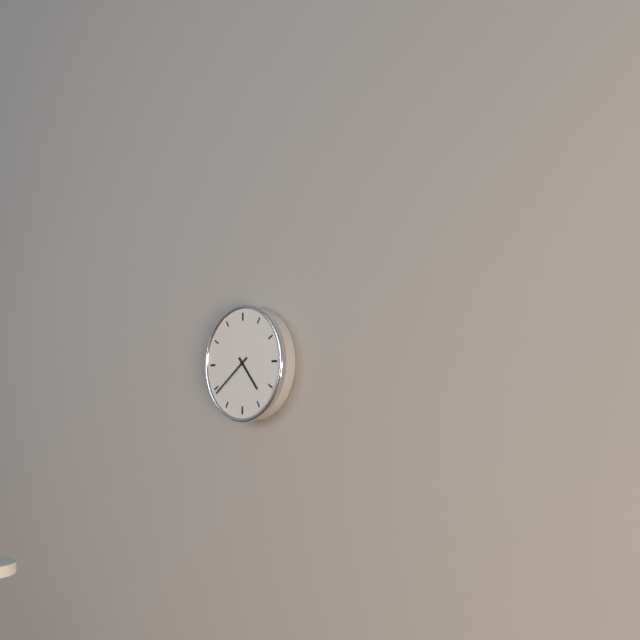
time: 4:39
